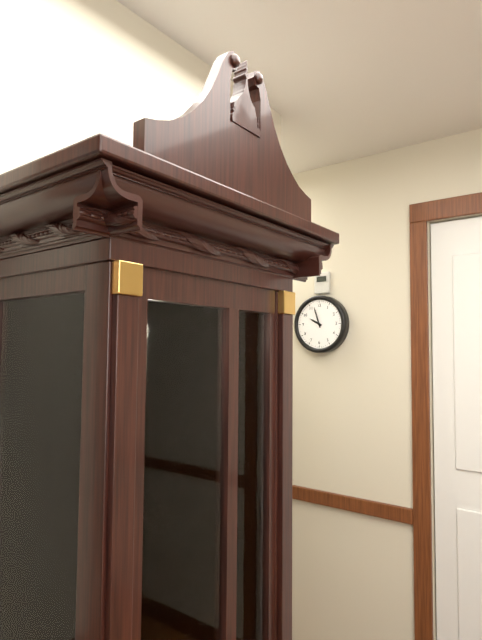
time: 9:57
